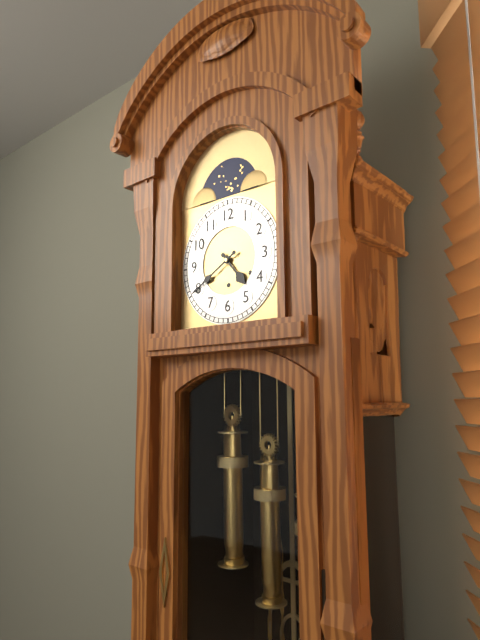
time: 4:40
